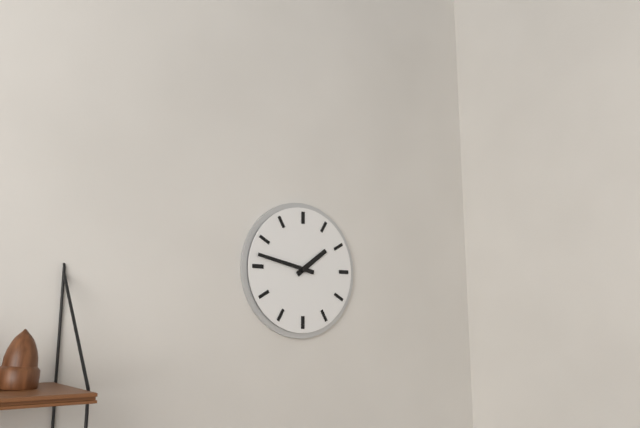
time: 1:47
